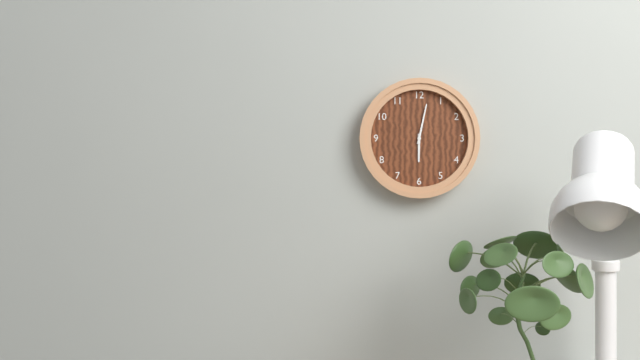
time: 6:02
